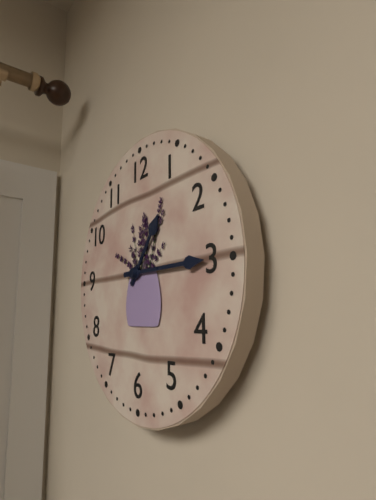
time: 1:15
